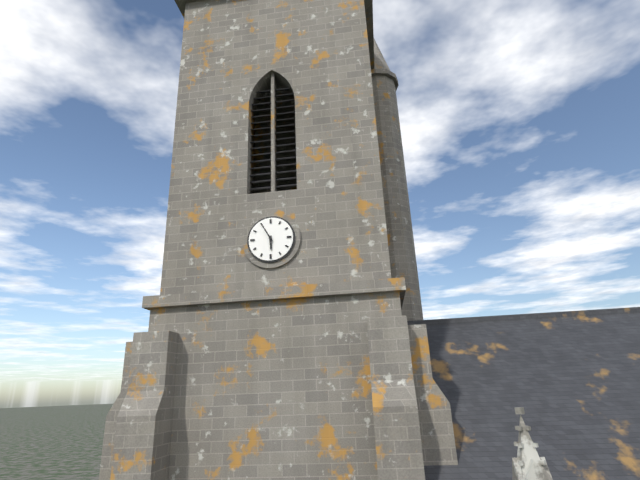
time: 5:55
